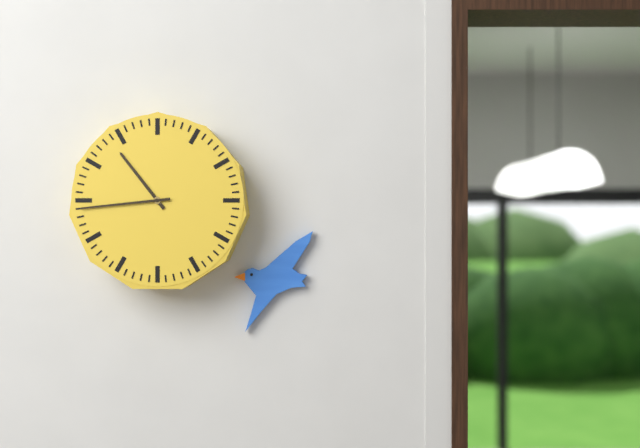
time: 10:44
